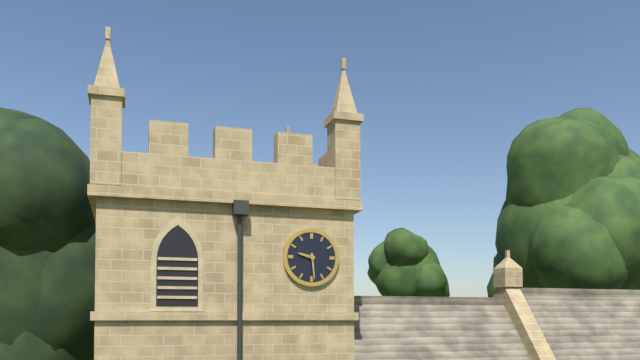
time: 9:29
